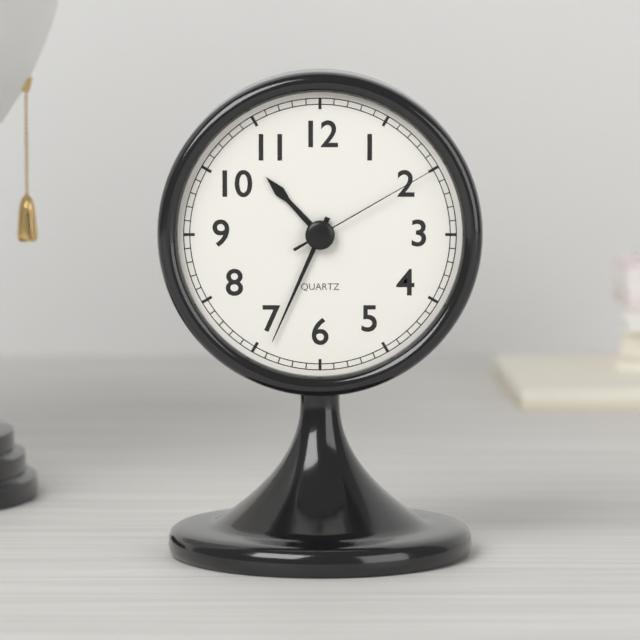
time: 10:34:10
